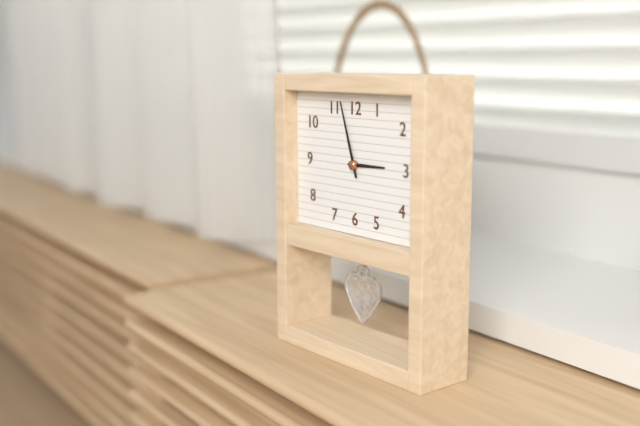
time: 2:57
